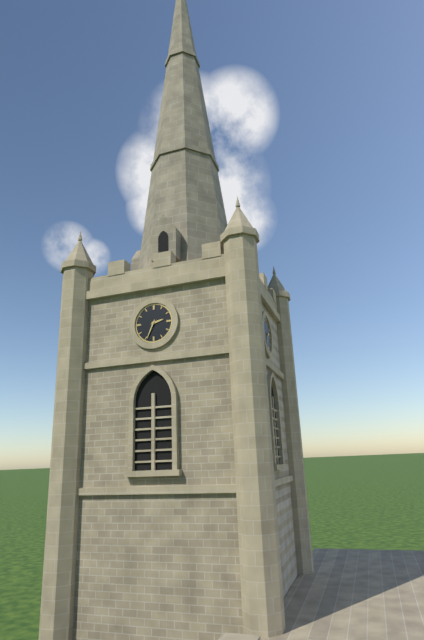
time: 2:34
